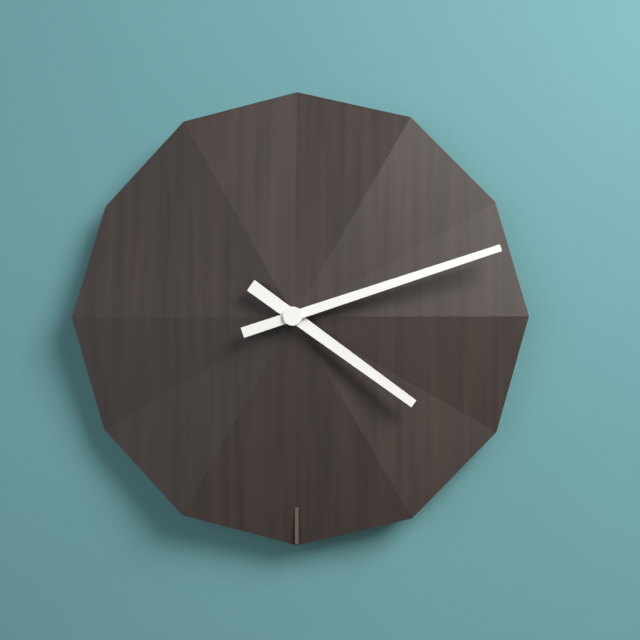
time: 4:12
